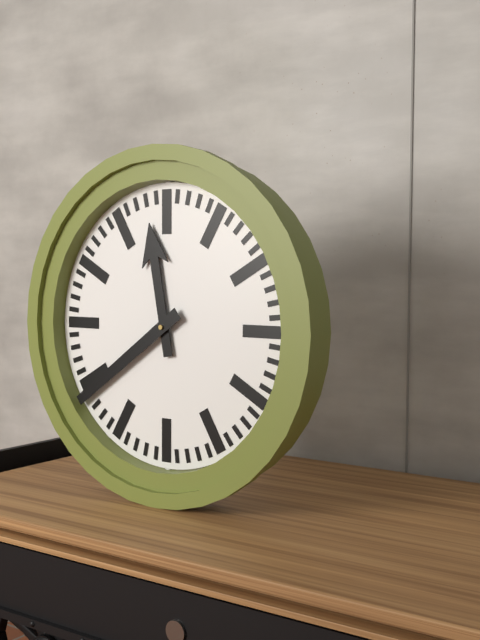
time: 11:39
